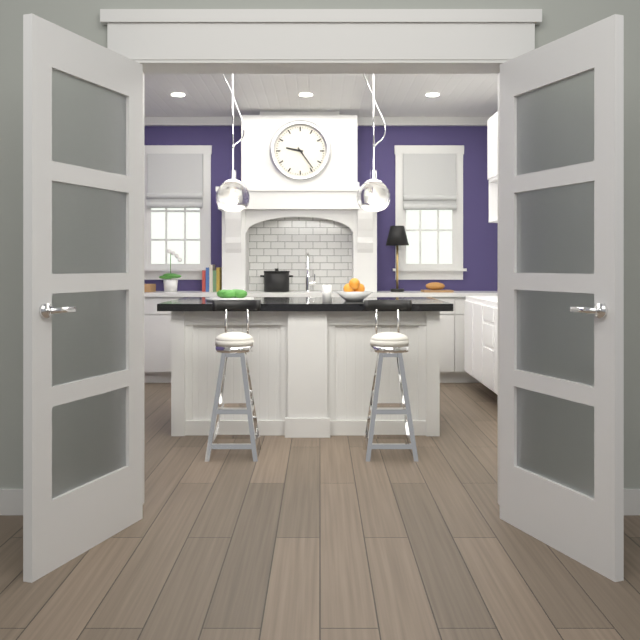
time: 9:24
